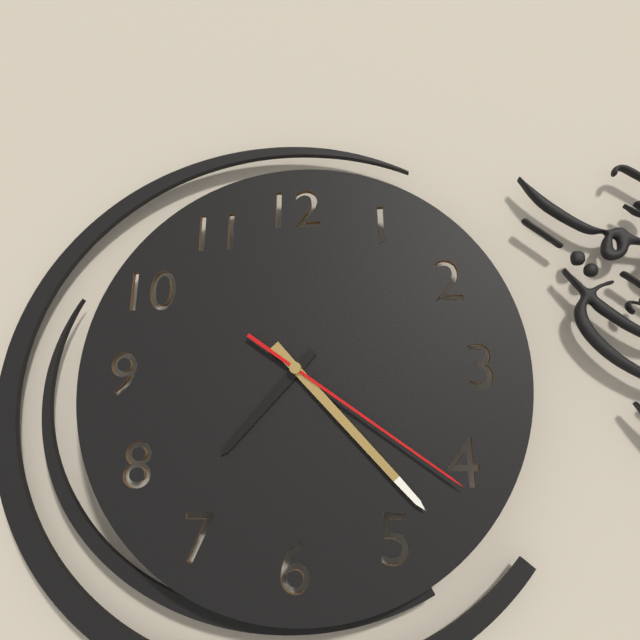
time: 7:23:21
